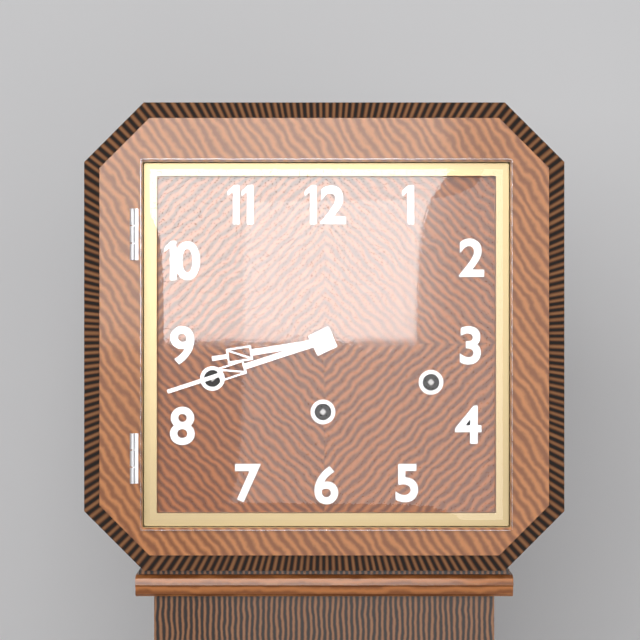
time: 8:42
